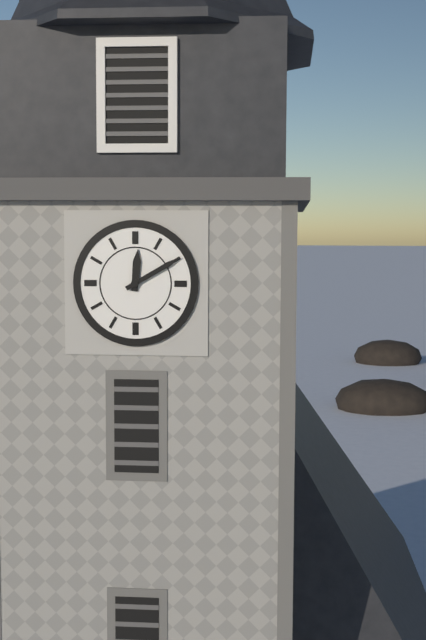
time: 12:10
